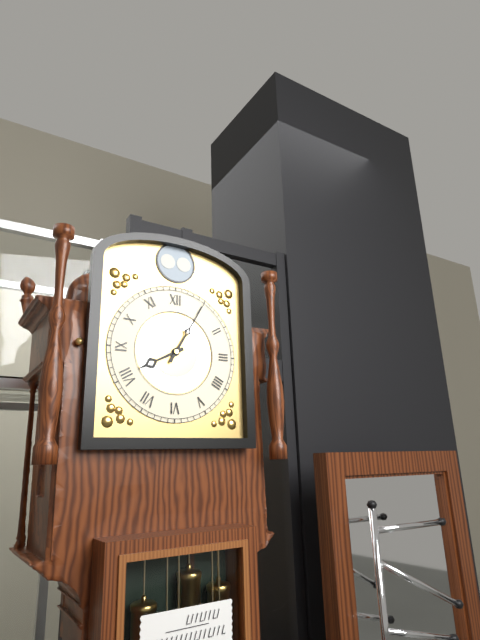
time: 8:05
